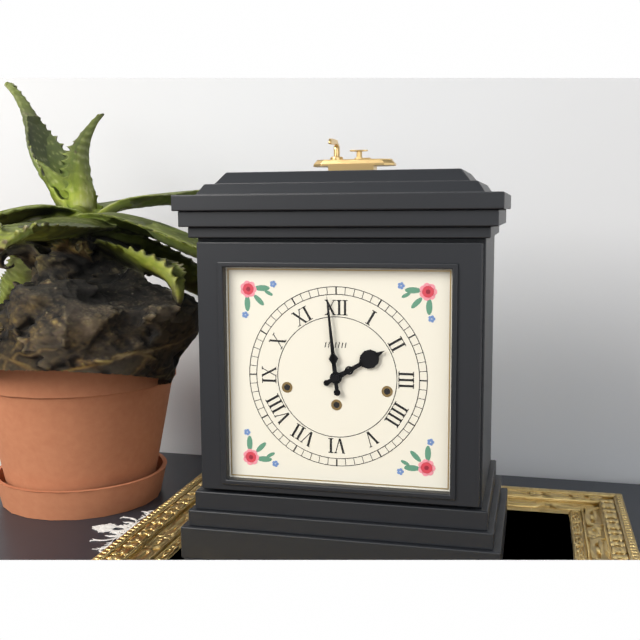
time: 1:59
